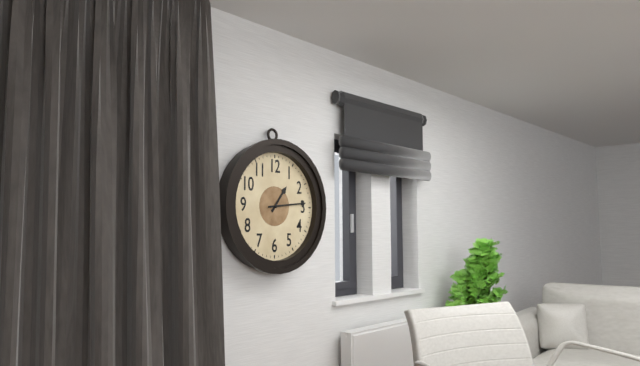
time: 1:14
